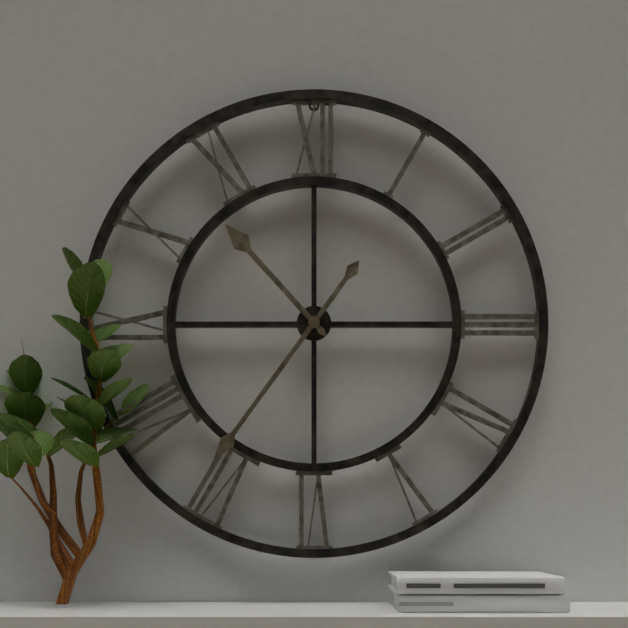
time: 10:36
